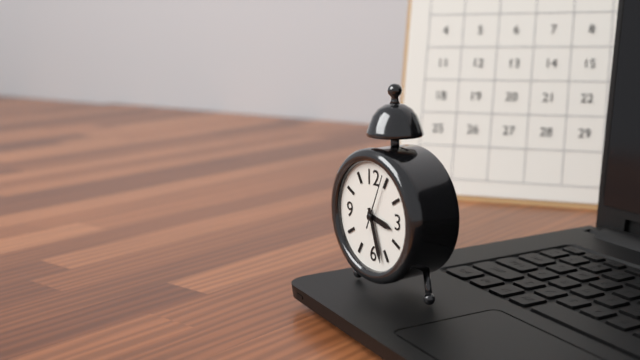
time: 3:27
